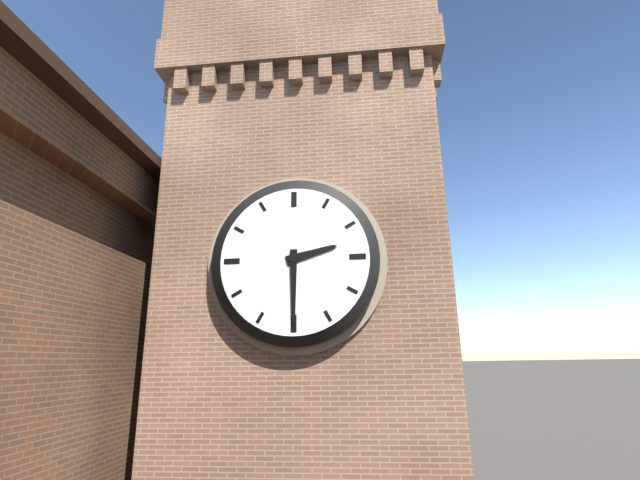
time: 2:30
